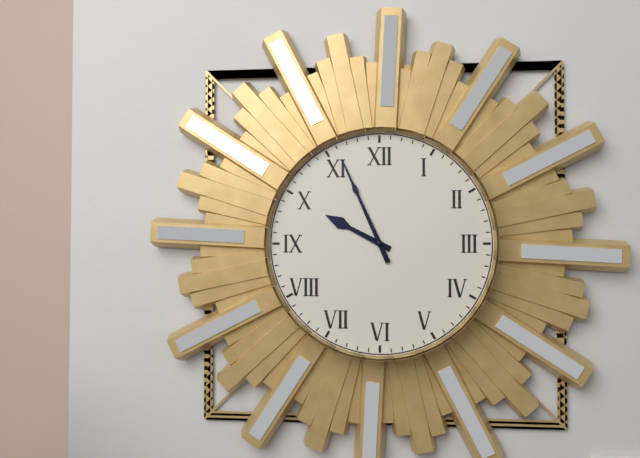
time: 9:56
